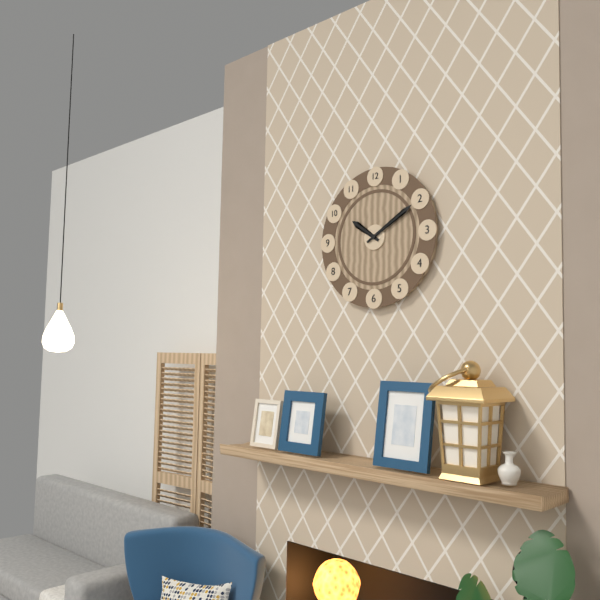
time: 10:10
